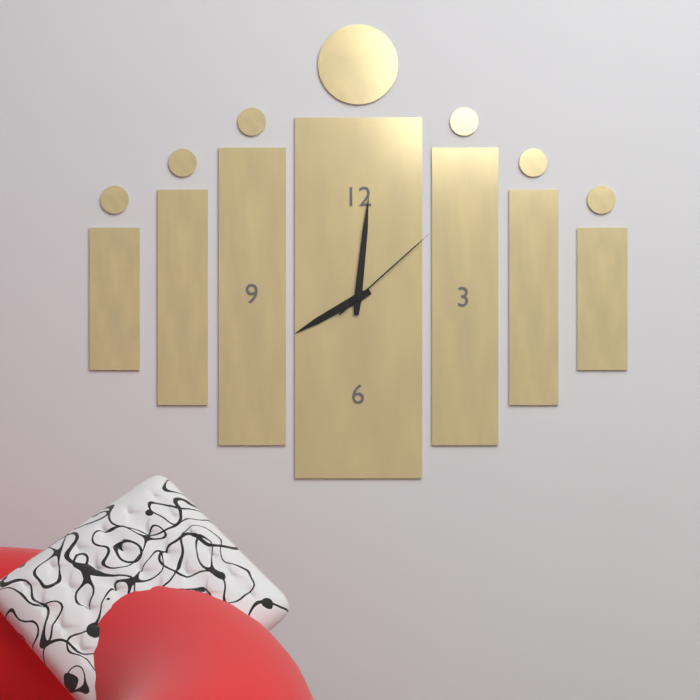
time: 8:01:08
